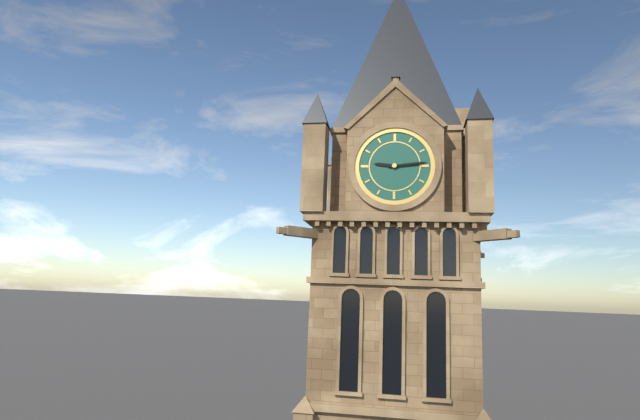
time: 9:14
